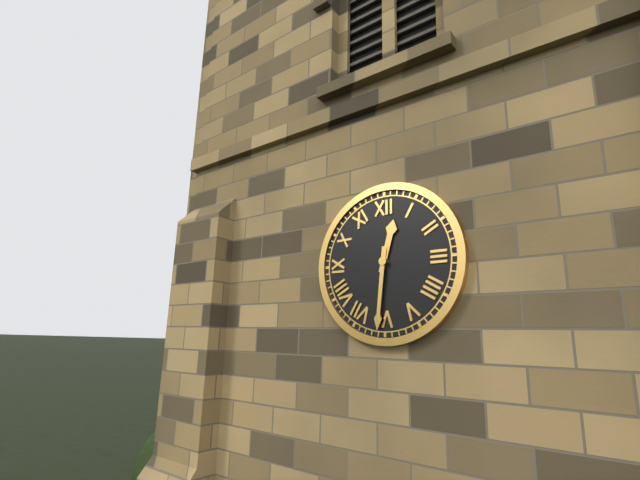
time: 12:31
